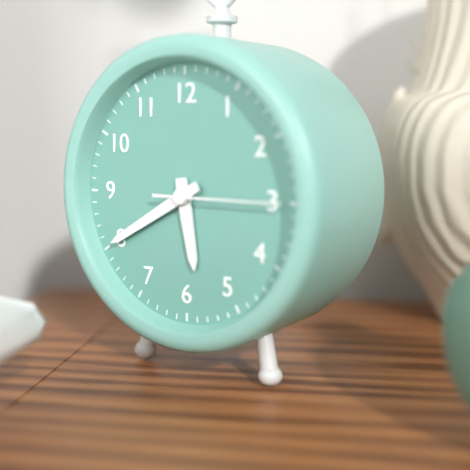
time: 5:40:15
